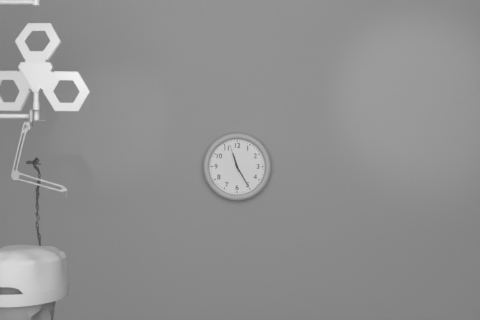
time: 11:25
